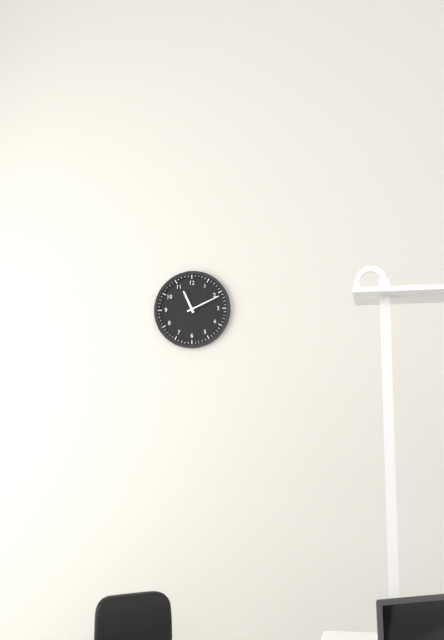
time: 11:11
